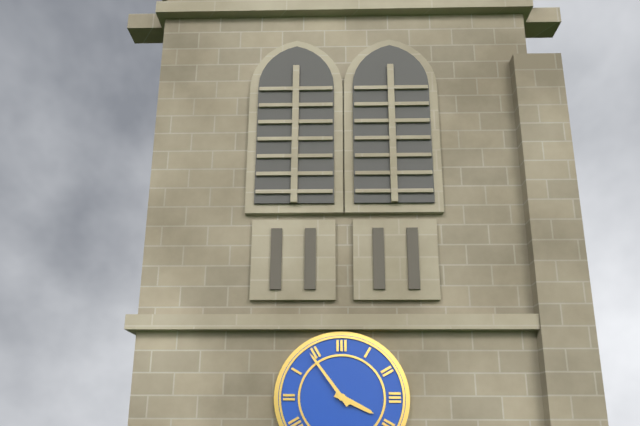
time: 3:54
